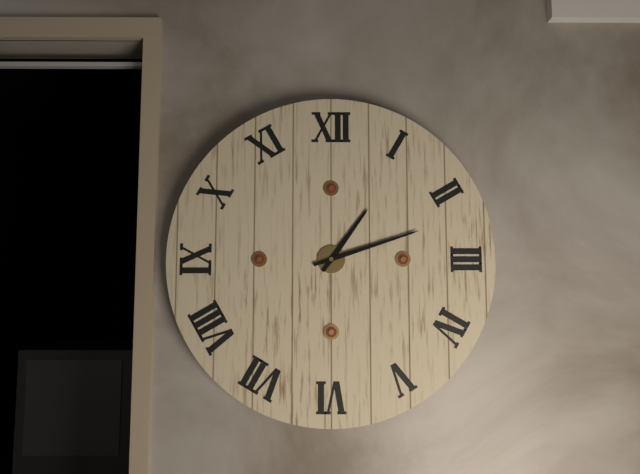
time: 1:12
